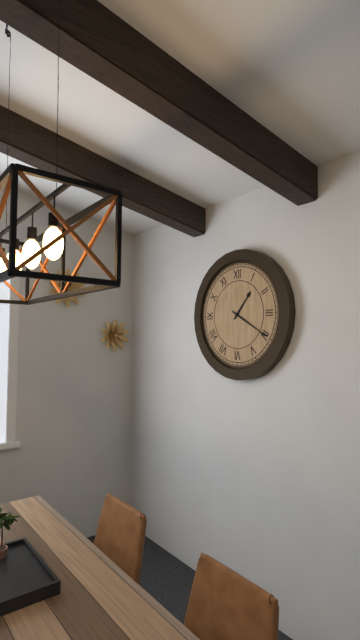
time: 1:20
